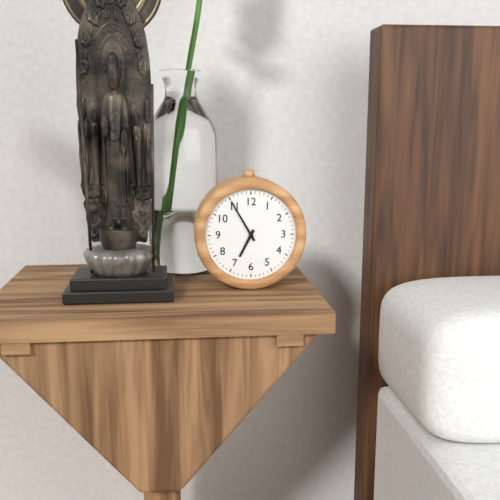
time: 6:55
